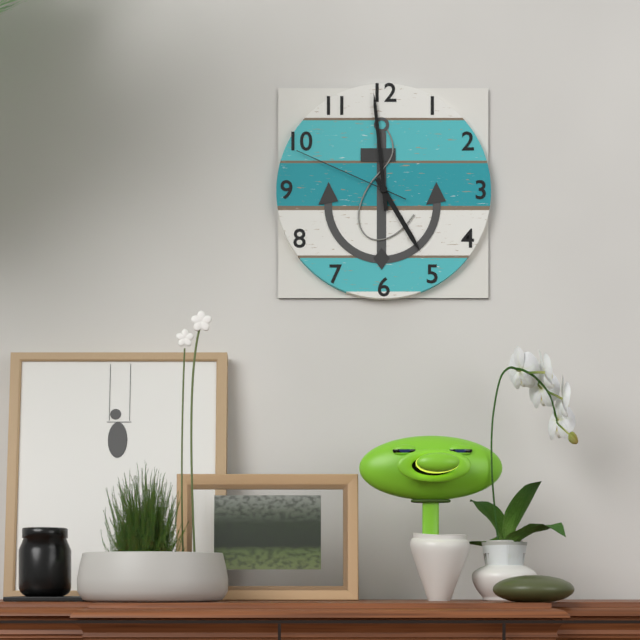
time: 4:59:49
